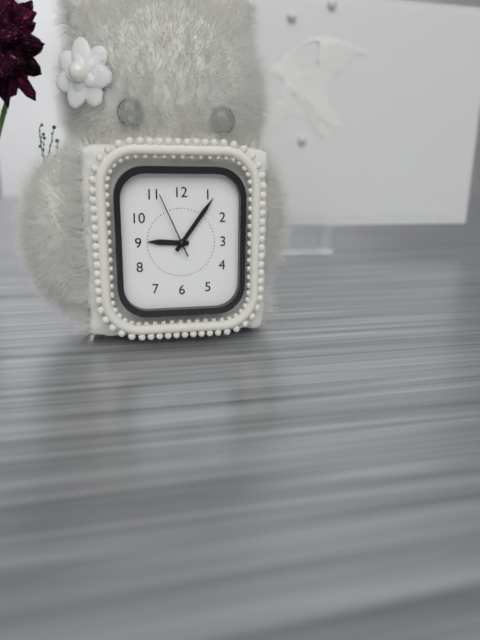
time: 9:06:56
